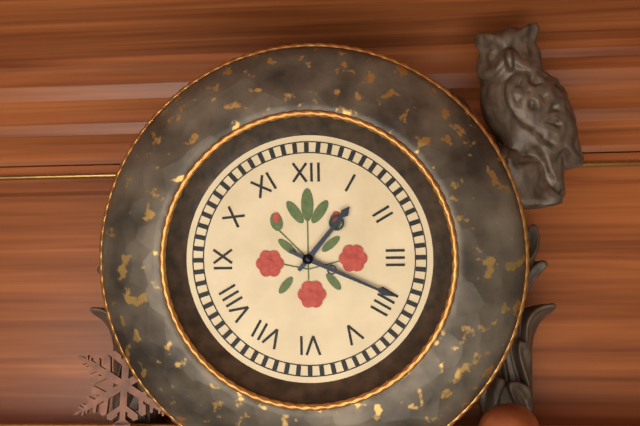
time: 1:19
